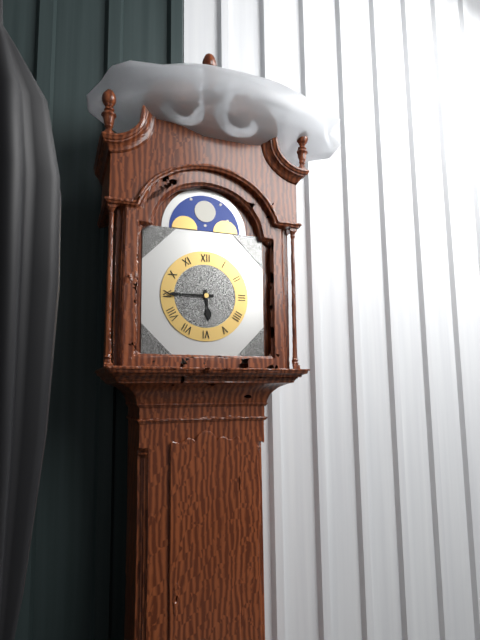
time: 5:45
